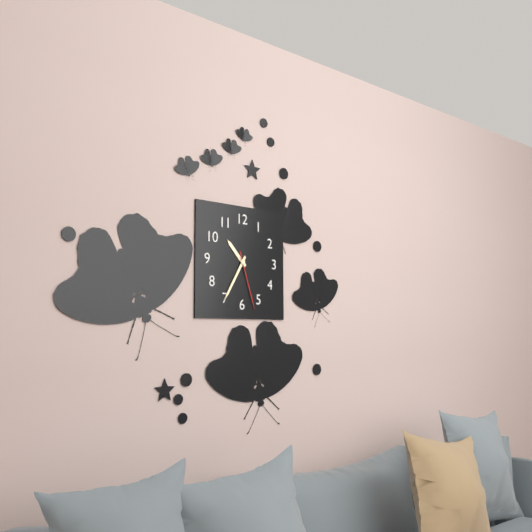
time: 10:35:27
